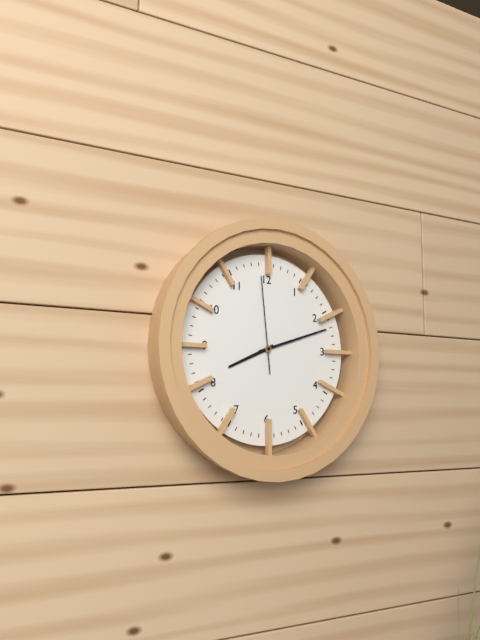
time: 8:12:59
